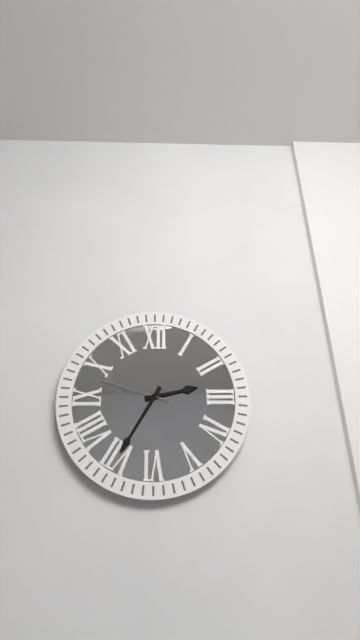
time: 2:35:48
